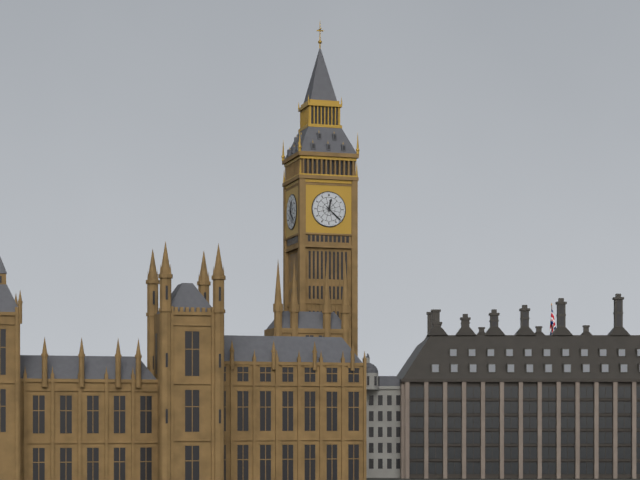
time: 12:22
